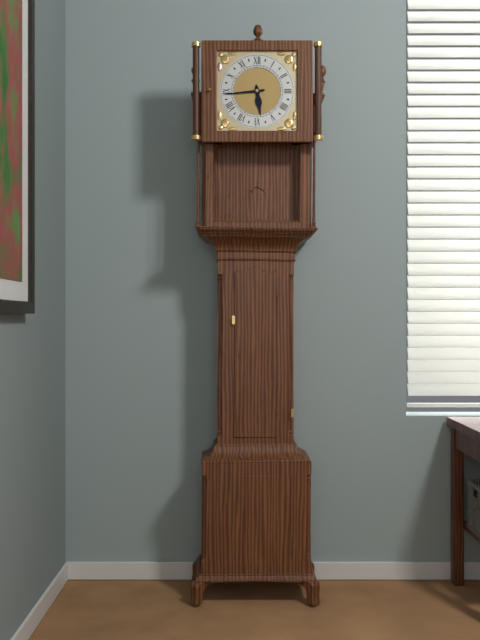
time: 5:44
